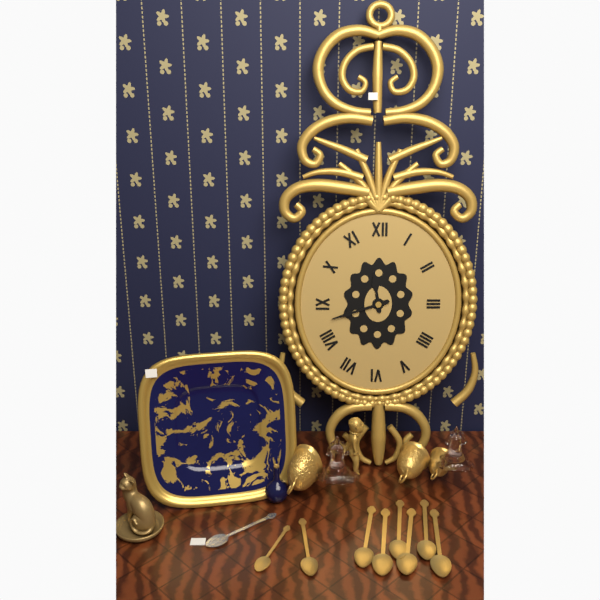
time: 11:42
